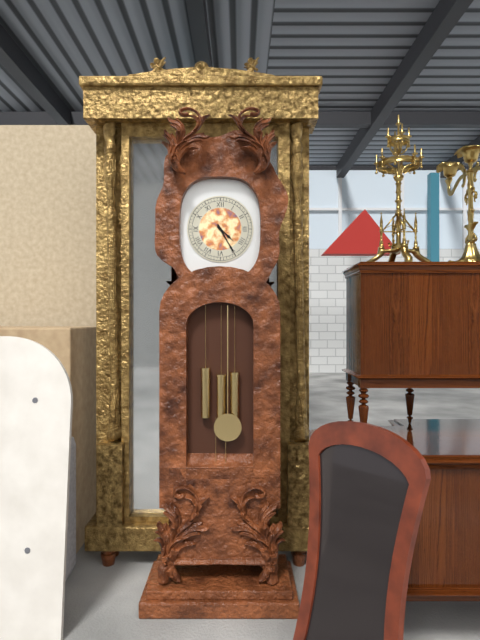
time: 4:25
